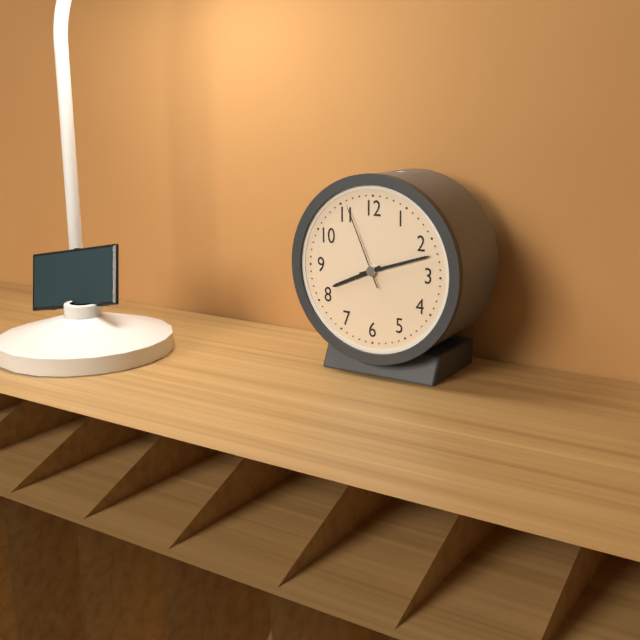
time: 8:12:56
